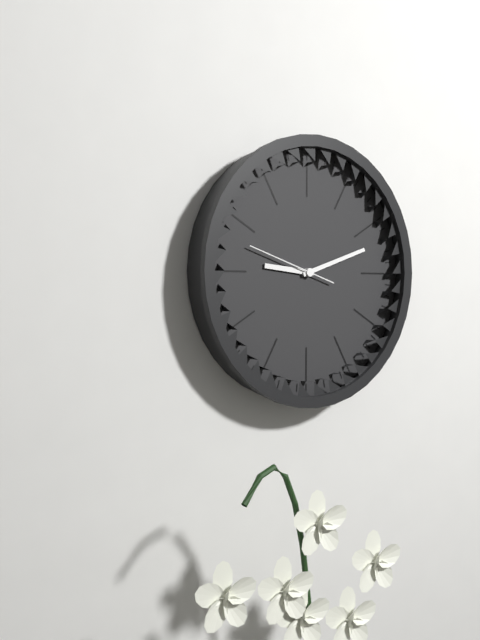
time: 9:12:48
